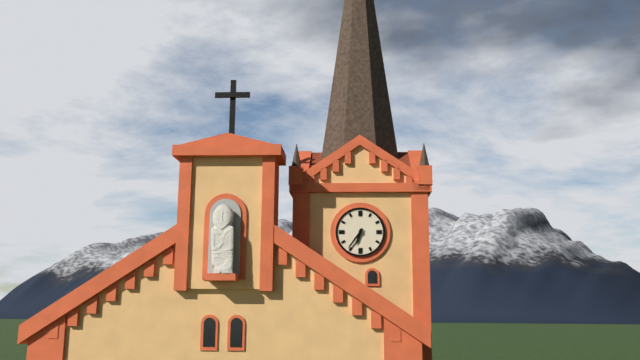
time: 6:36
